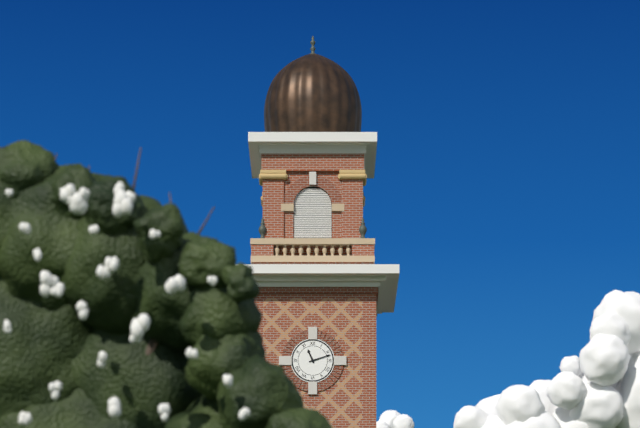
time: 11:12
